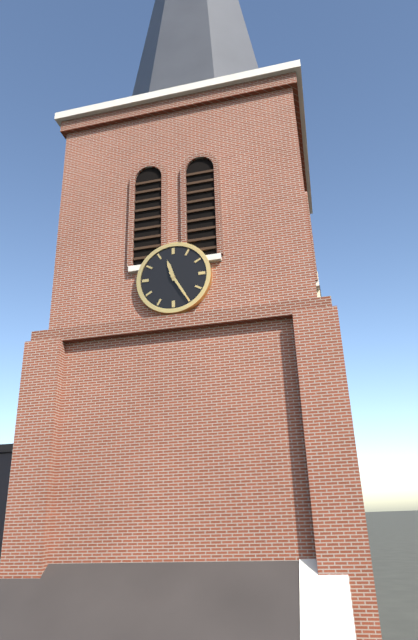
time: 11:25
